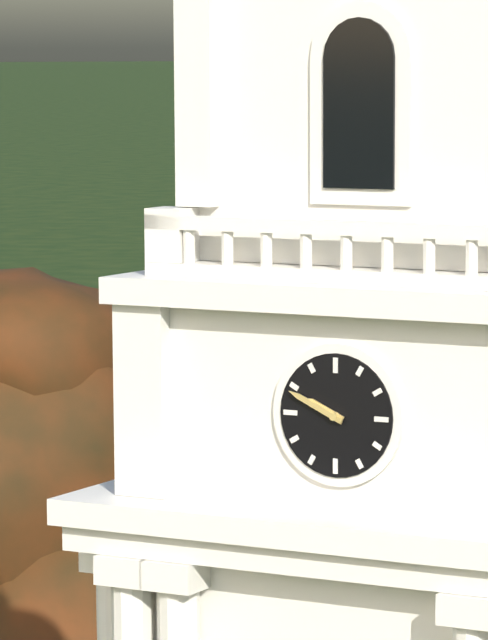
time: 9:49
